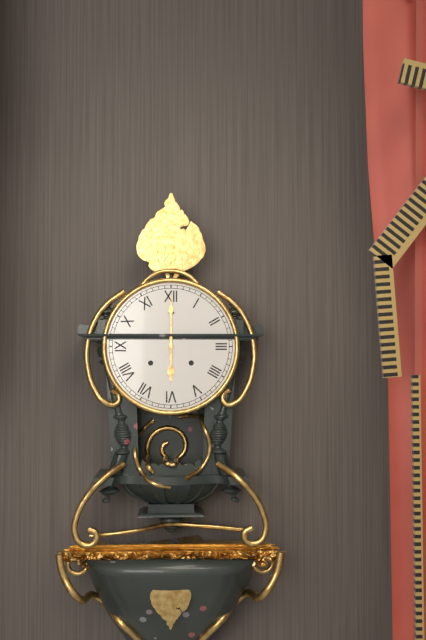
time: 6:00
